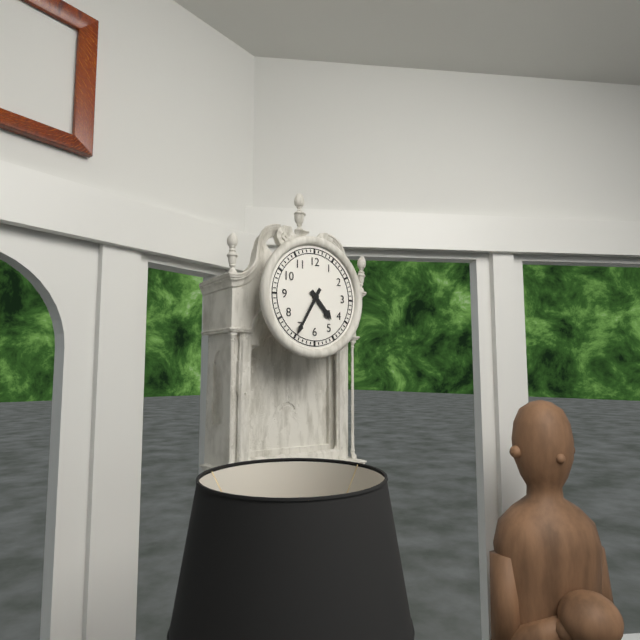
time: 4:35
